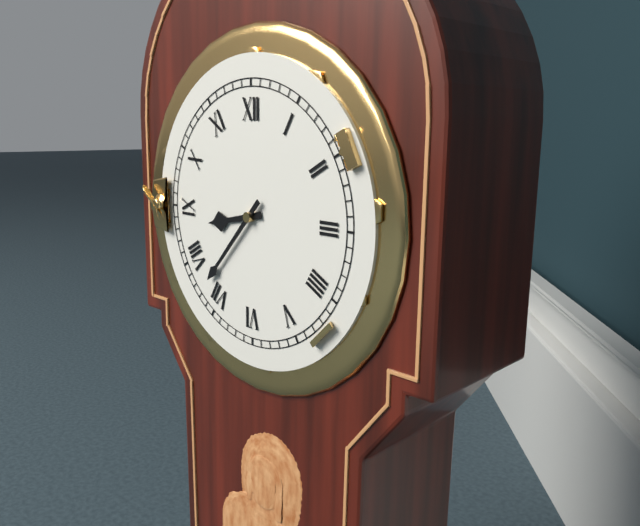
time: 8:37
